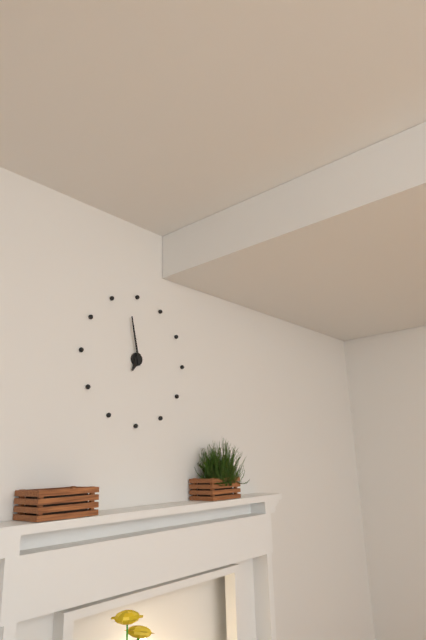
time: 6:58
